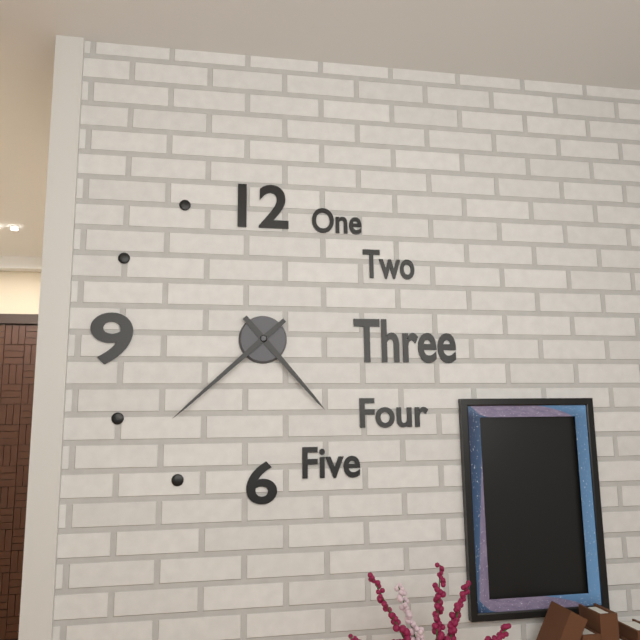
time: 4:38
